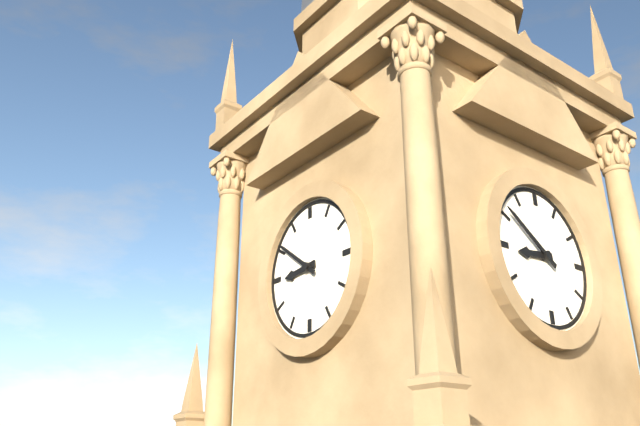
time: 8:51
